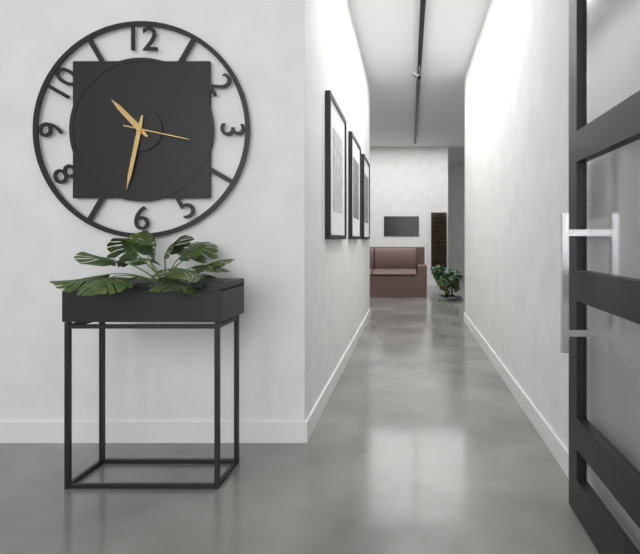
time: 10:32:17
